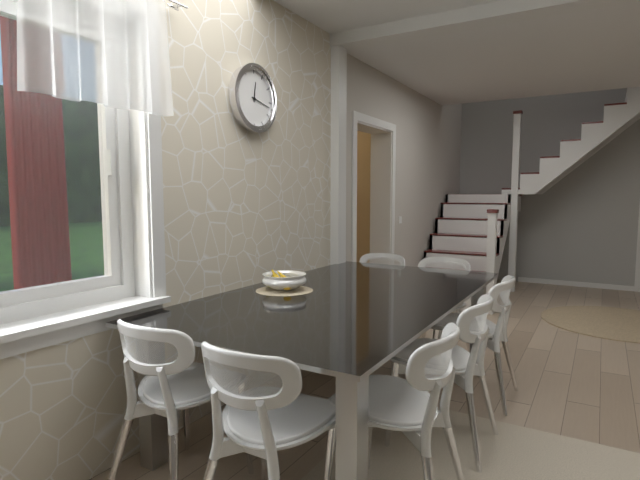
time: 12:17
